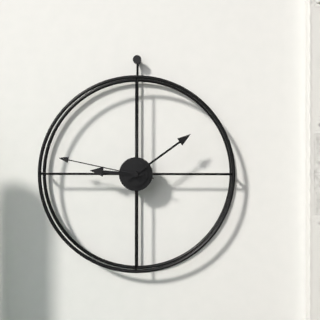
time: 9:09:47
